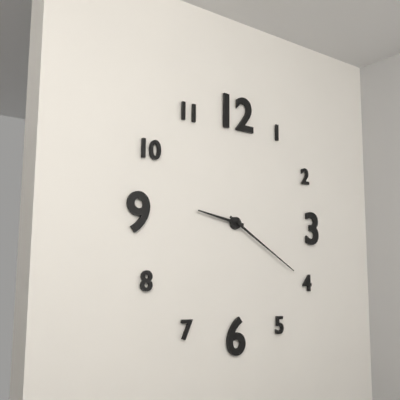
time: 9:20
